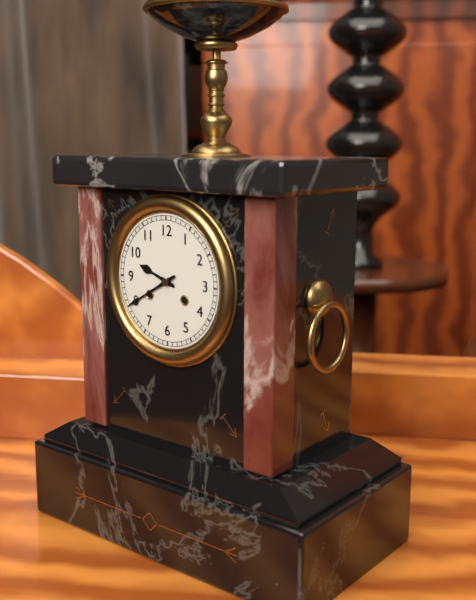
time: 9:40
